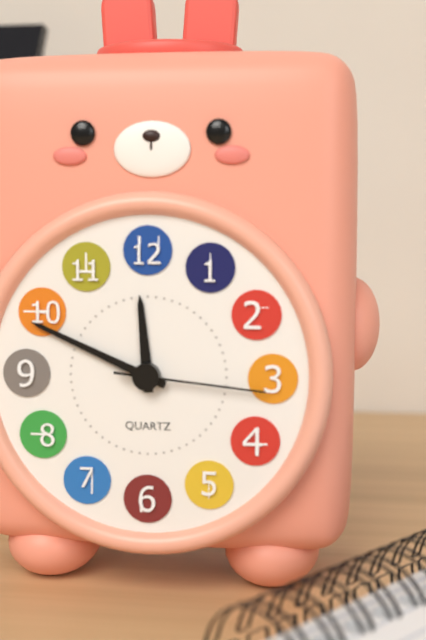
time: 11:49:16
